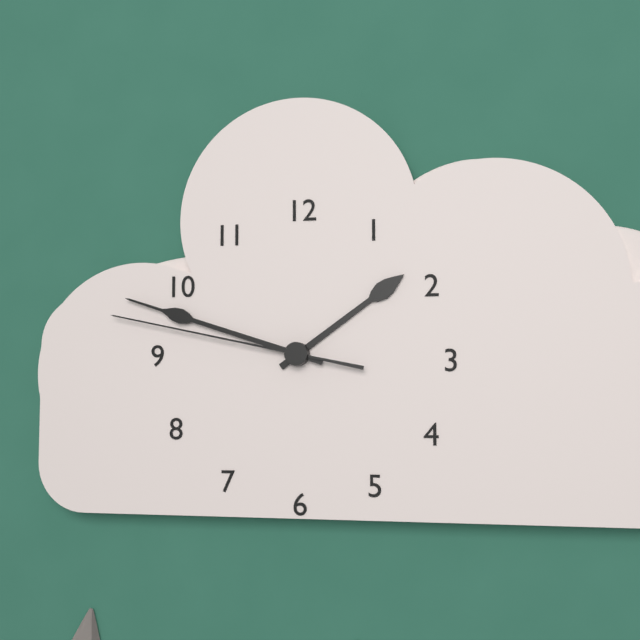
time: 1:48:47
